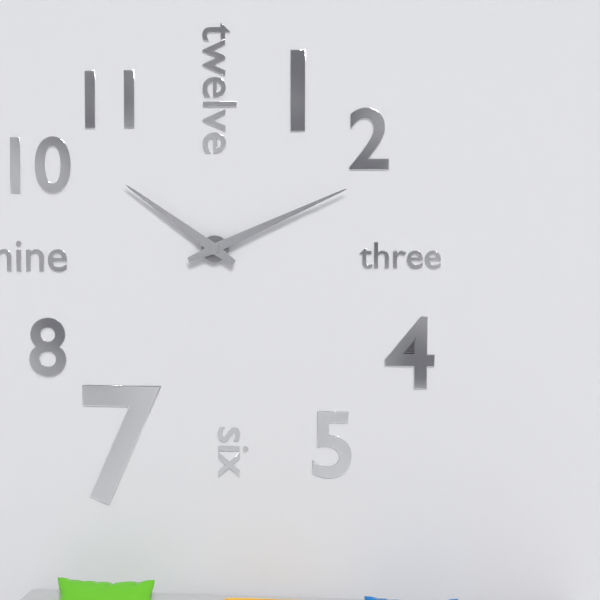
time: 10:11
